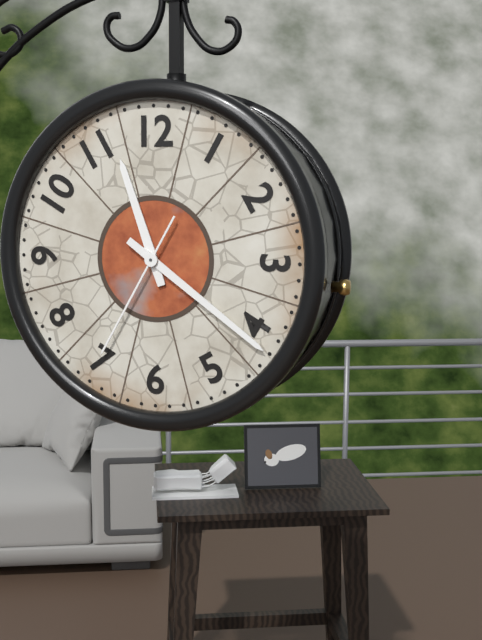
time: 11:21:35
